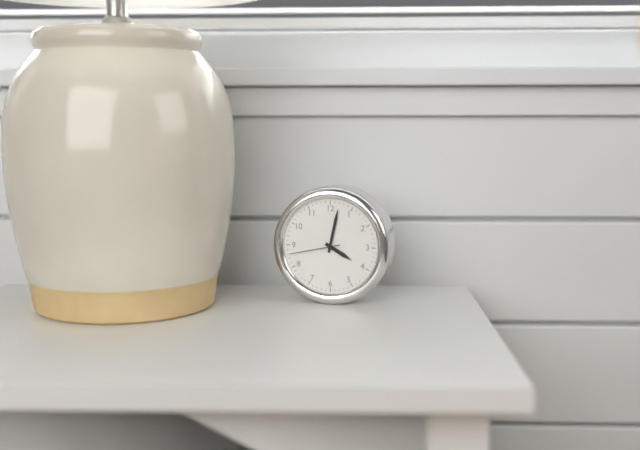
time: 4:02:43
